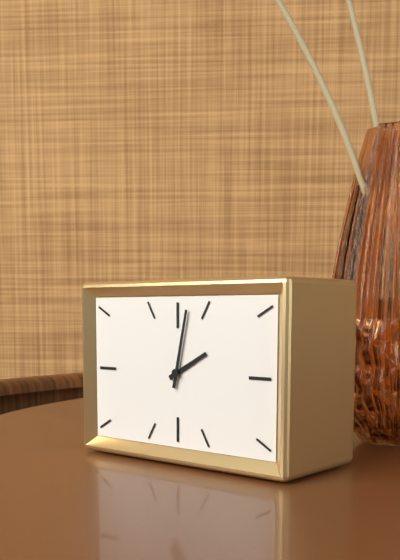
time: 2:02
